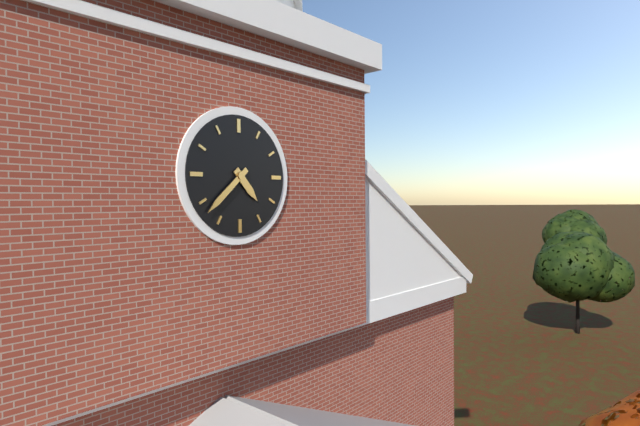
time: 4:38
